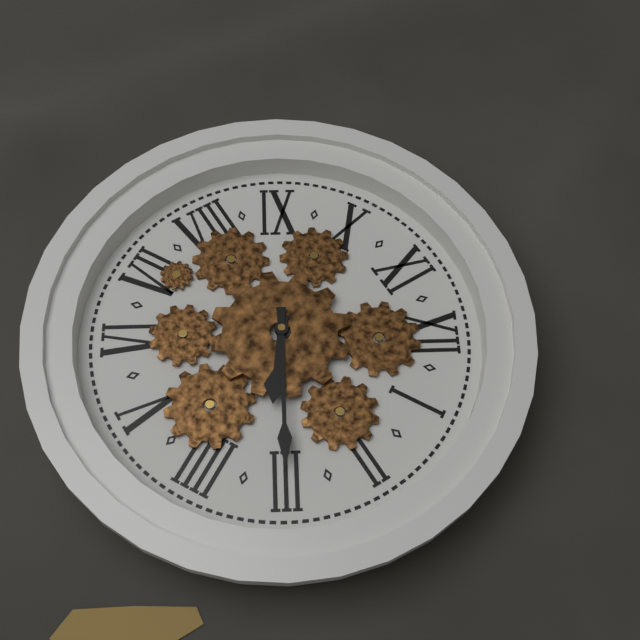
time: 3:15
